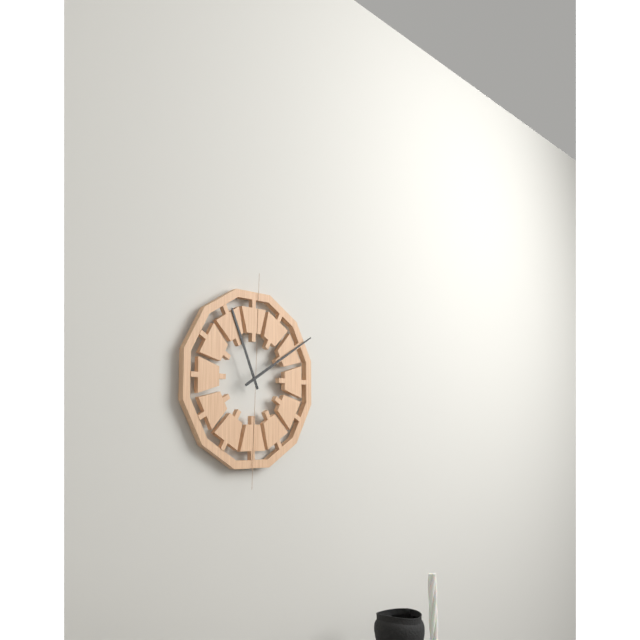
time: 11:10
